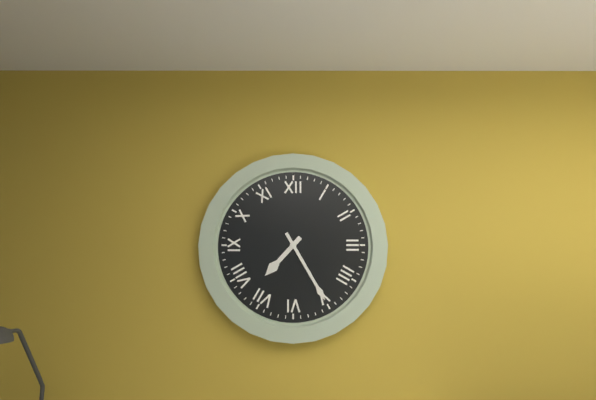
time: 7:25
